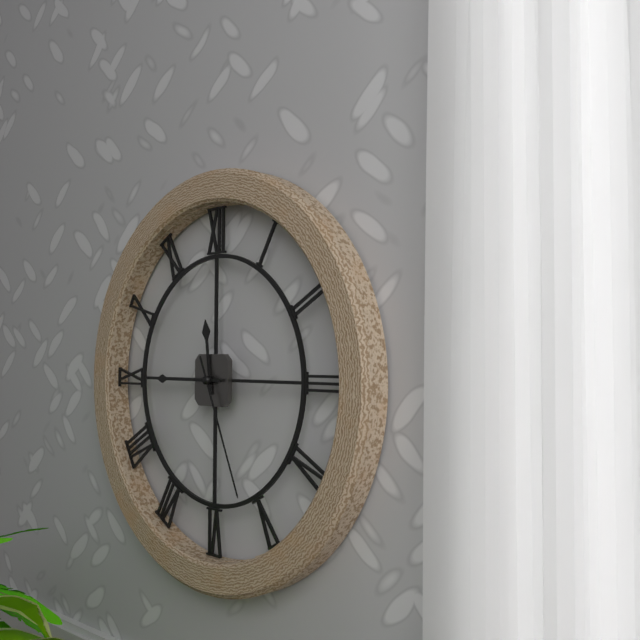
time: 11:45:26
